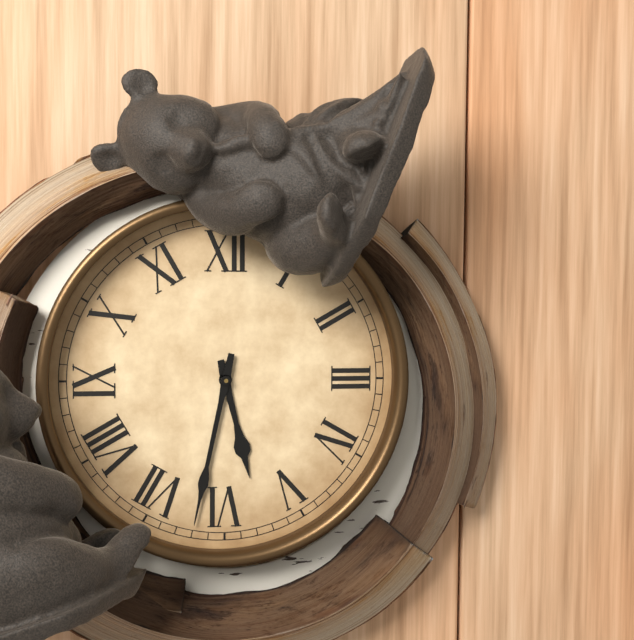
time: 5:32
